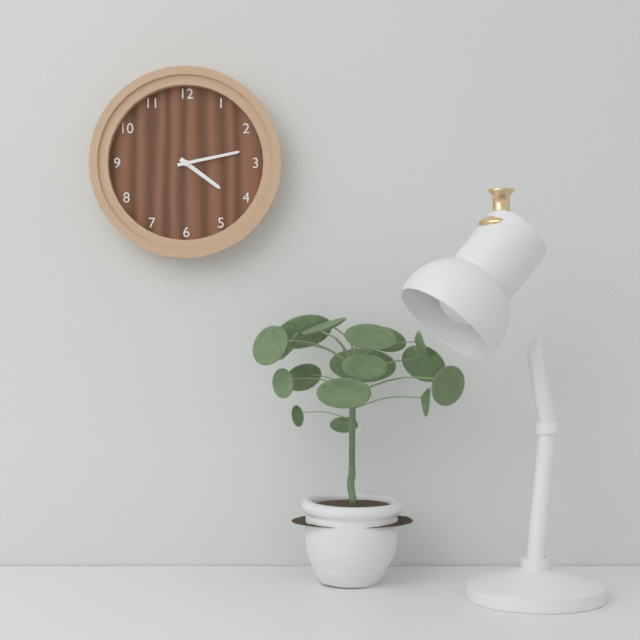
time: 4:13
